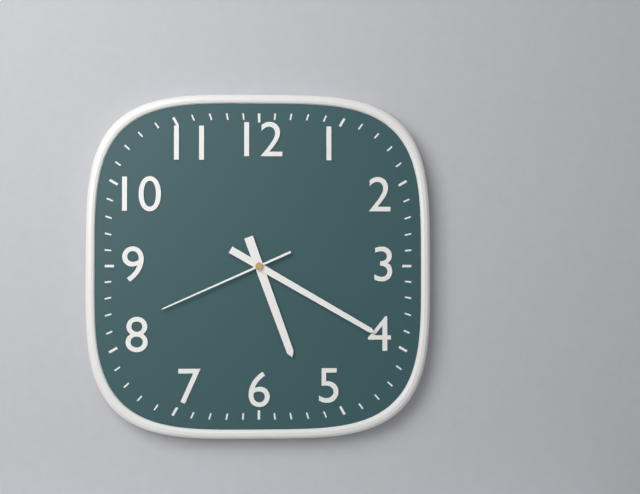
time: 5:20:41
